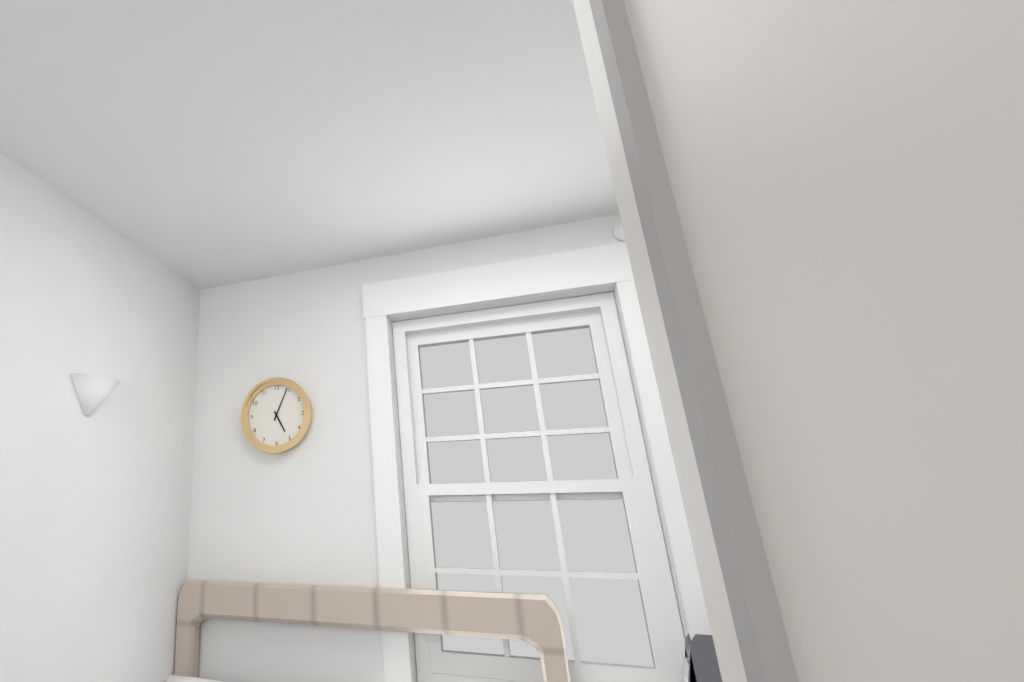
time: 5:04
